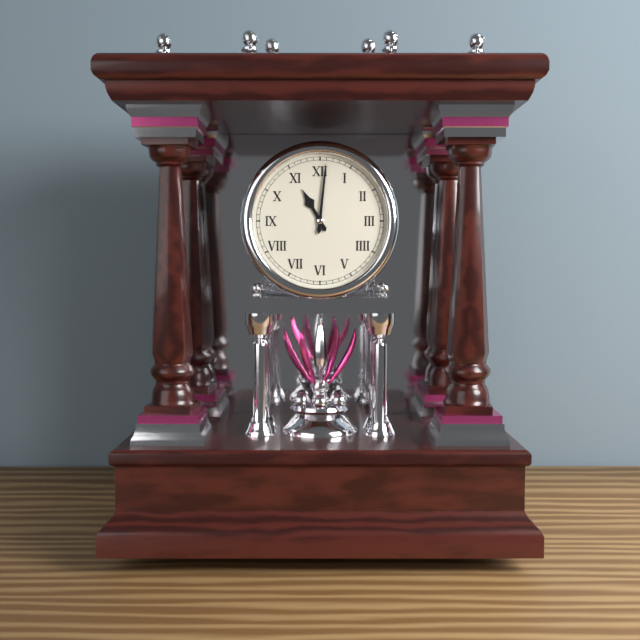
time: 11:01
